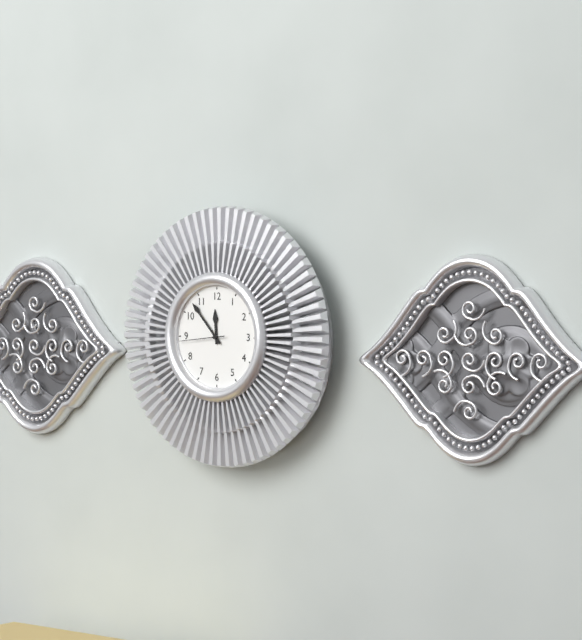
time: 11:53
